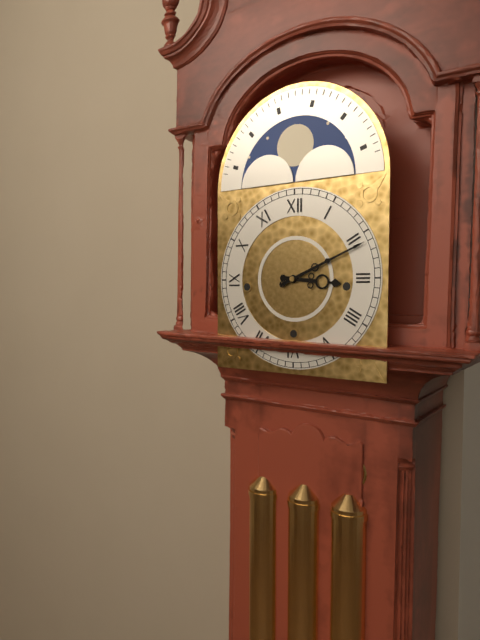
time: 3:11
